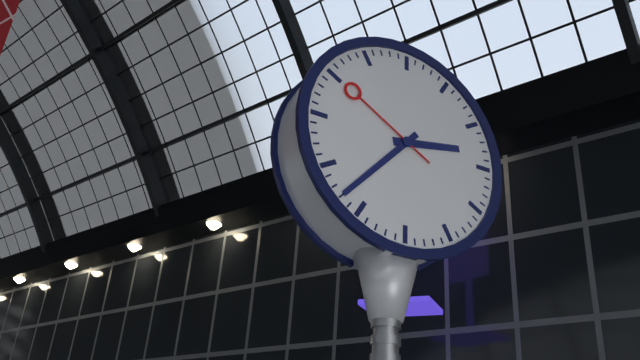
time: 2:37:50
